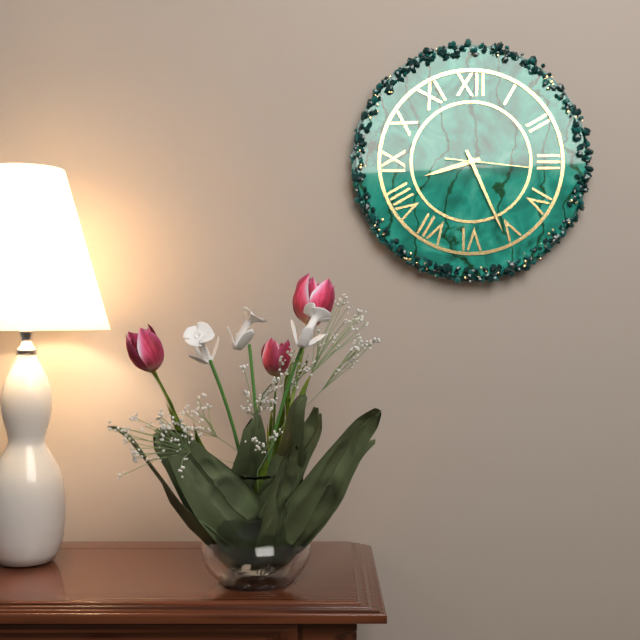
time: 8:26:16
